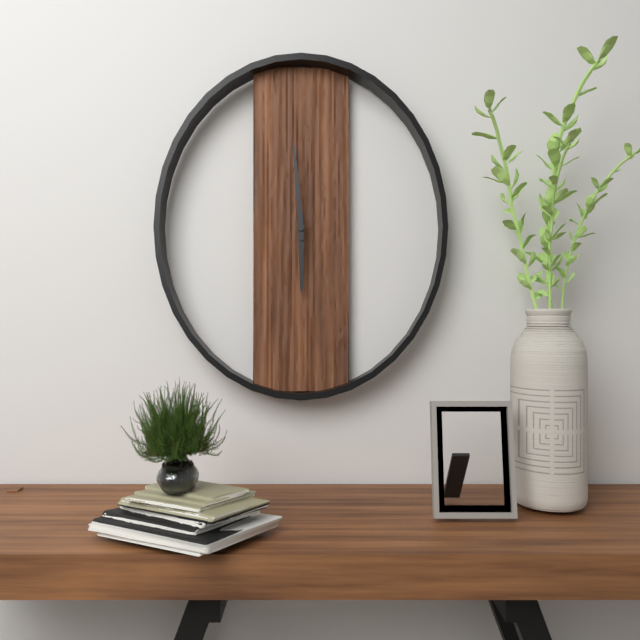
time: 5:59
